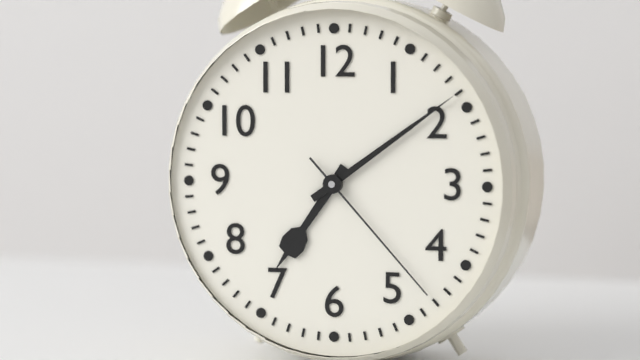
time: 7:09:23
